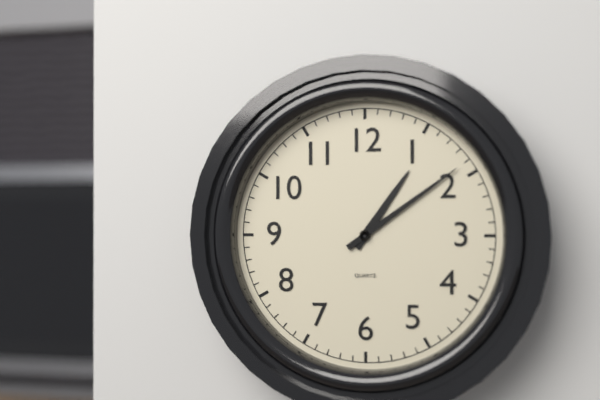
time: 1:09
